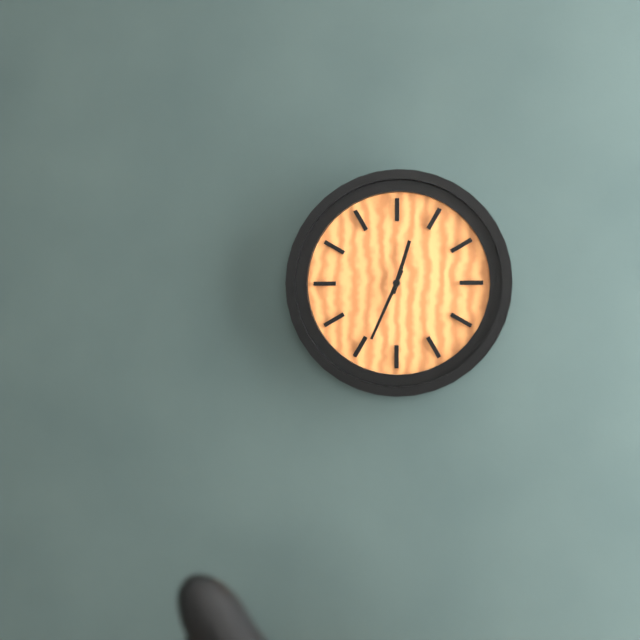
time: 12:34
